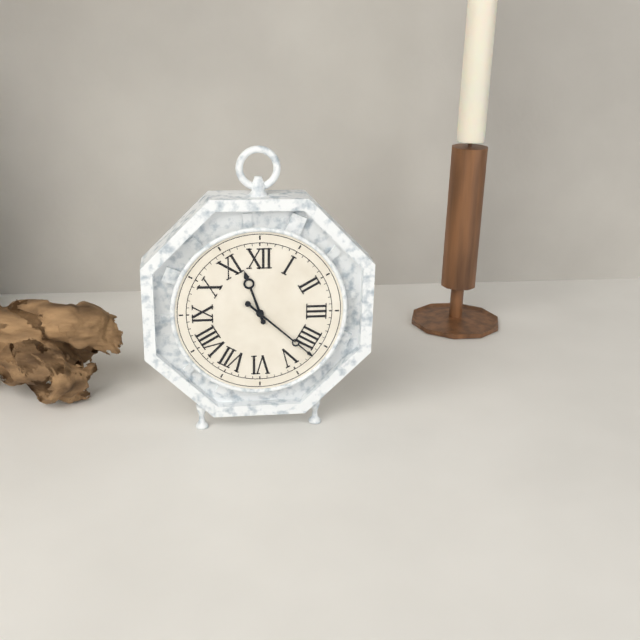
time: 11:22
